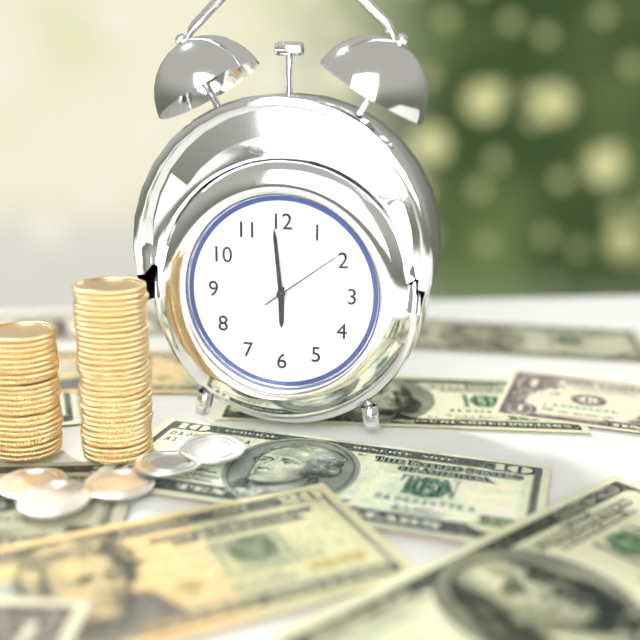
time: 5:59:09
